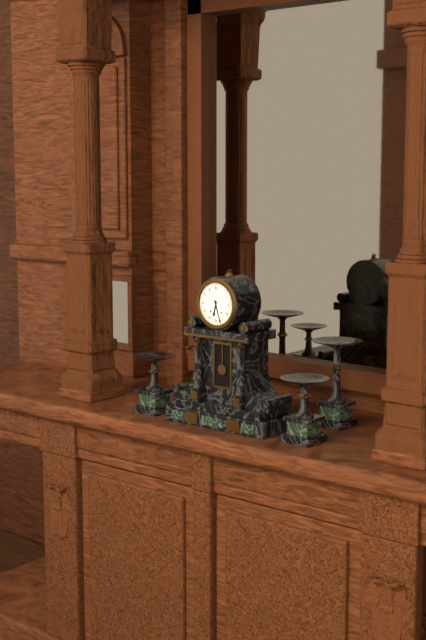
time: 6:27
